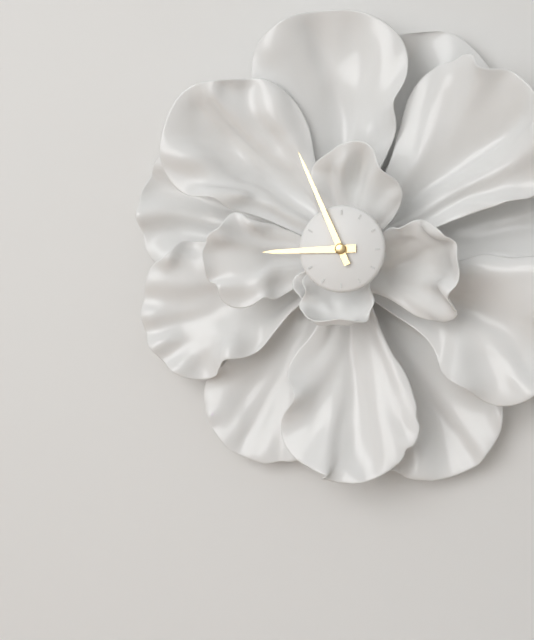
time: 8:56
